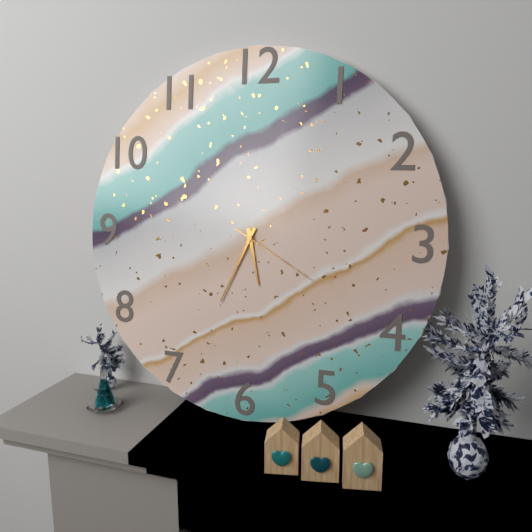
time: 5:34:20
